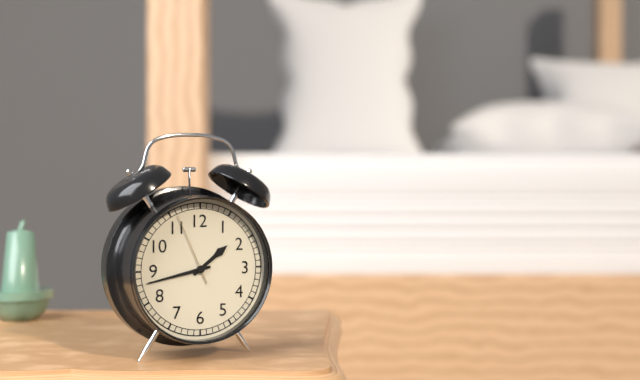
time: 1:43:56
